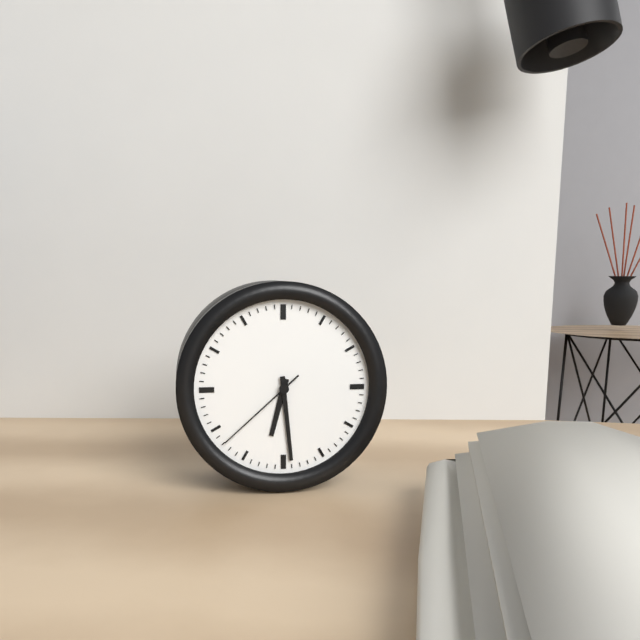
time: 6:29:38
